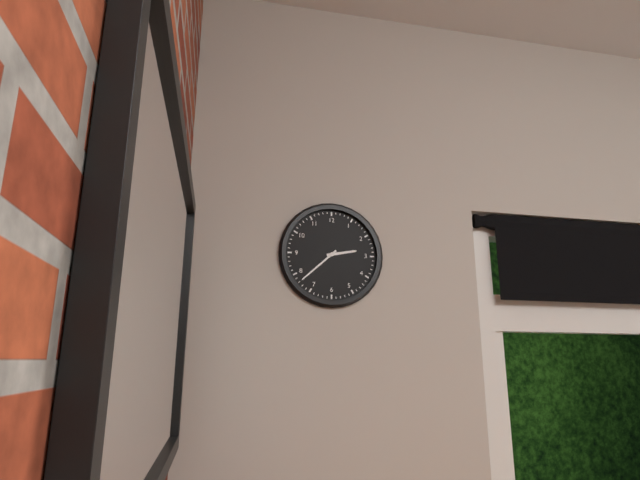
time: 2:38
